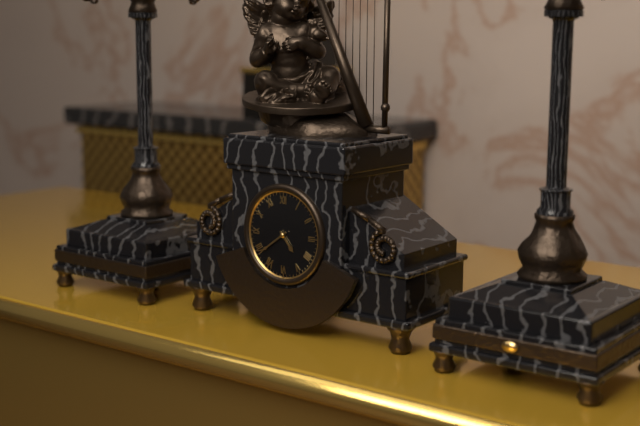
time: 4:39
